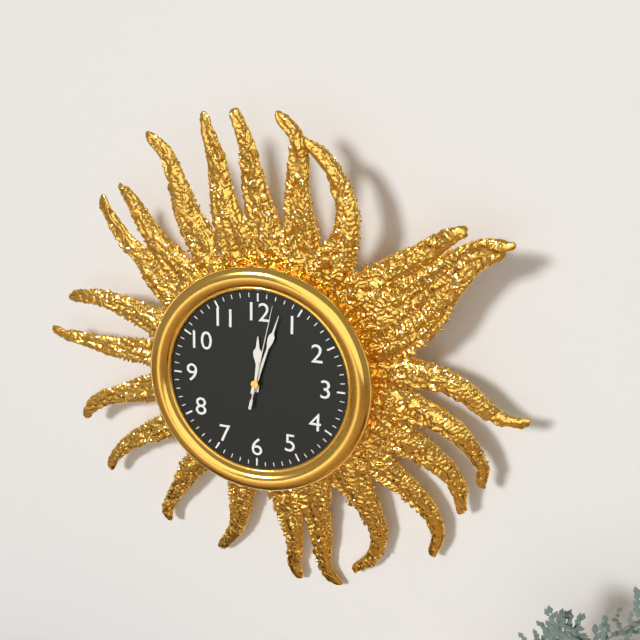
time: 12:03:02
